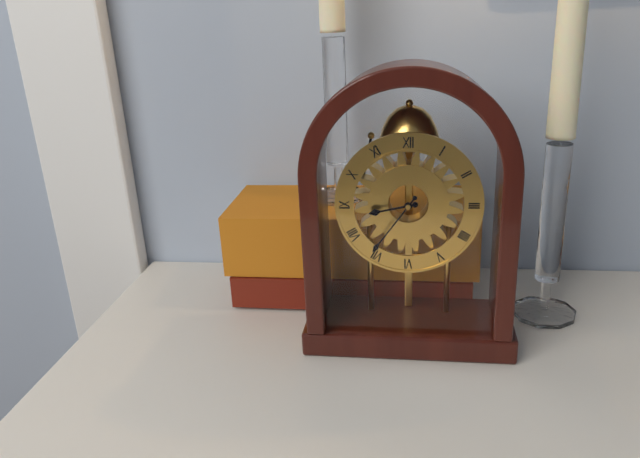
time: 8:36
